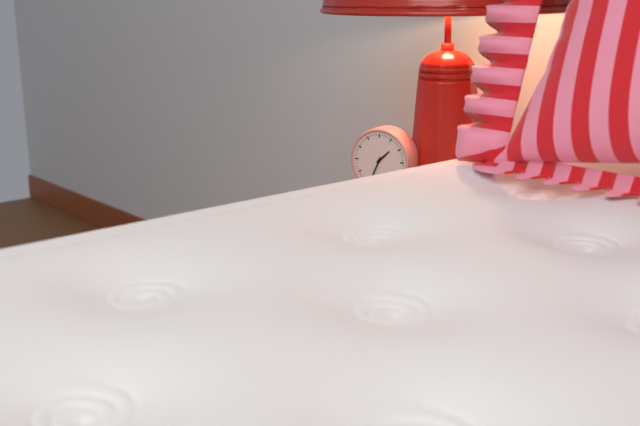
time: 1:34
